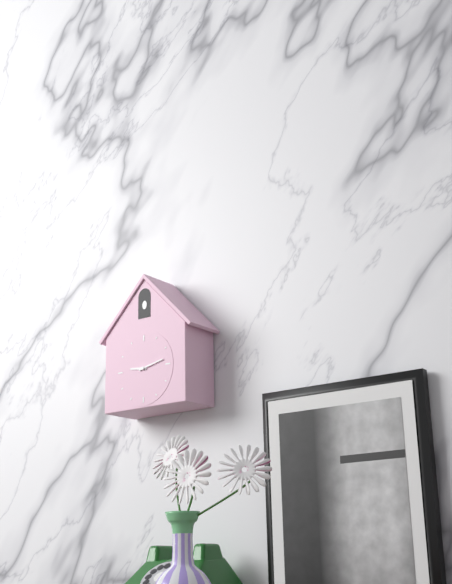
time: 9:13
